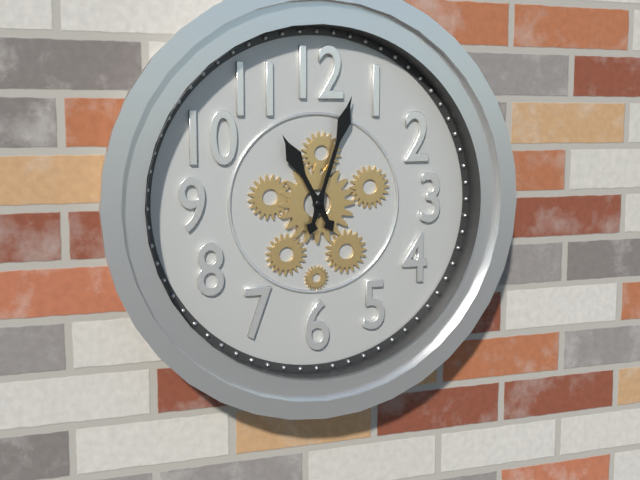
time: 11:03
